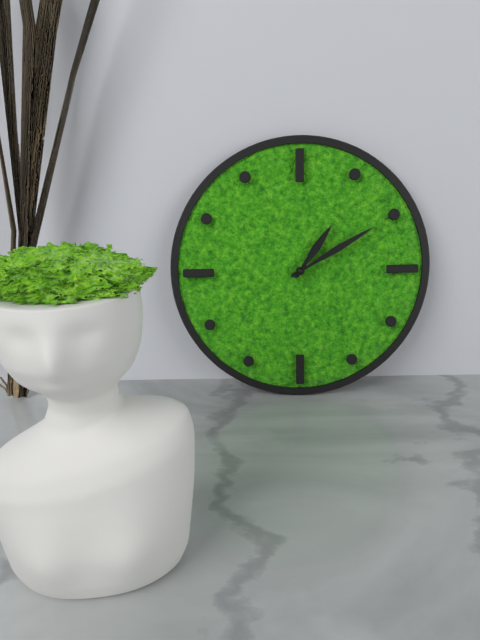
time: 1:10
